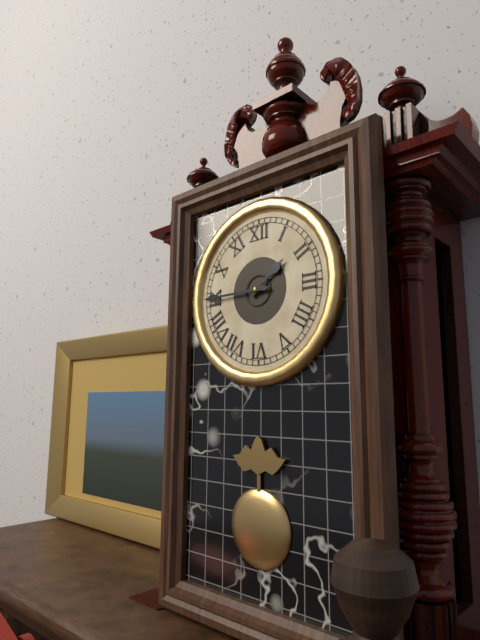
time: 1:45
